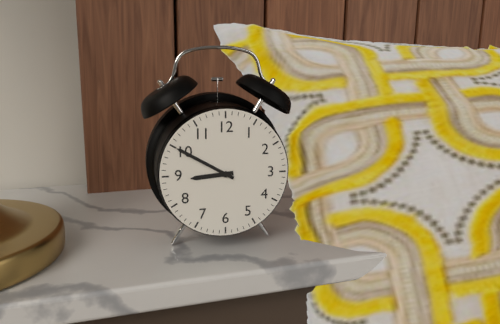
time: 8:50
